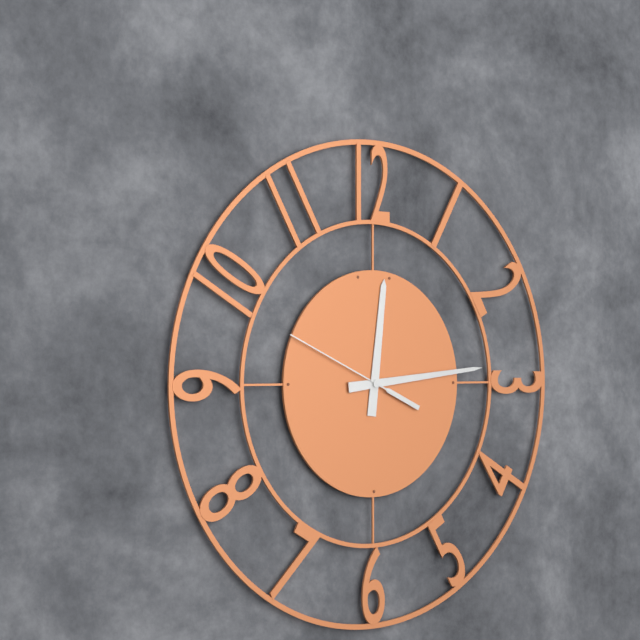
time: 12:14:49
